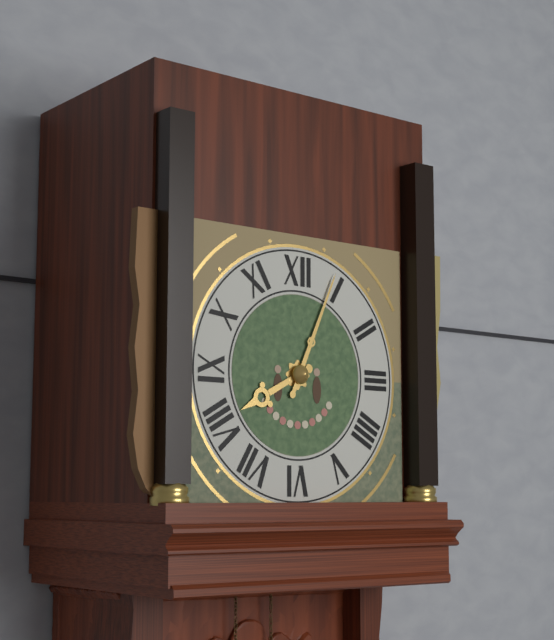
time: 8:04
